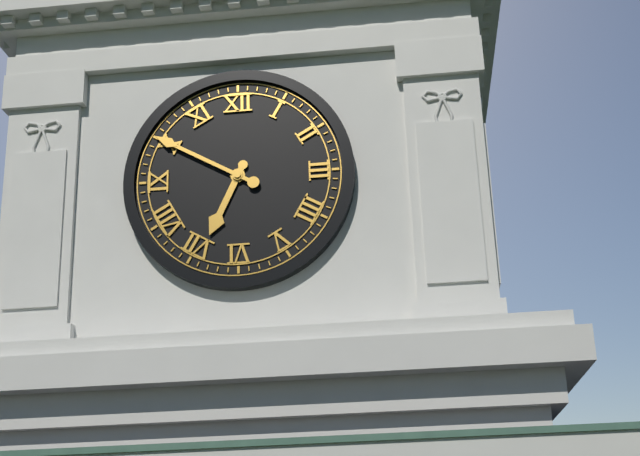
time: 6:50
